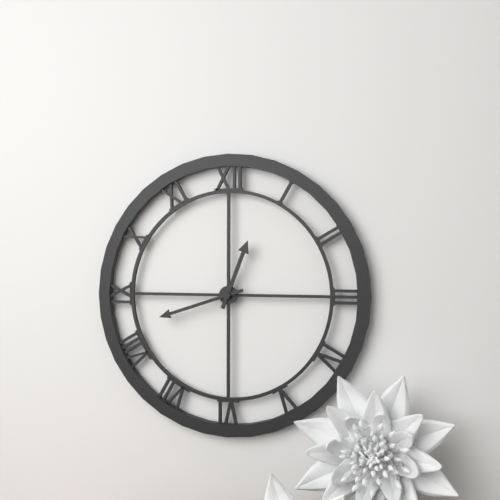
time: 12:42
